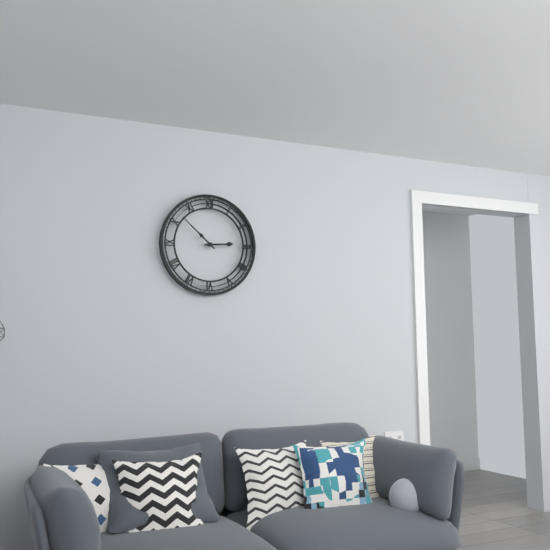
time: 2:52
